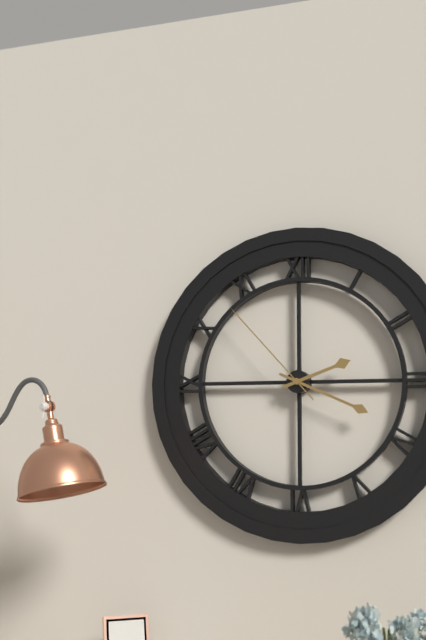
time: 2:19:53
